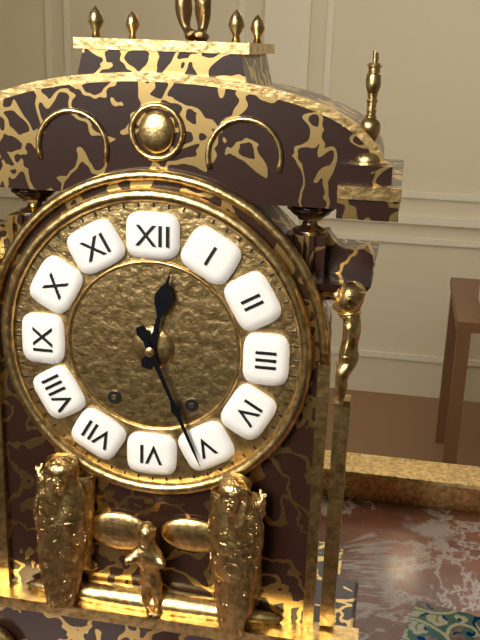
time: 12:26
